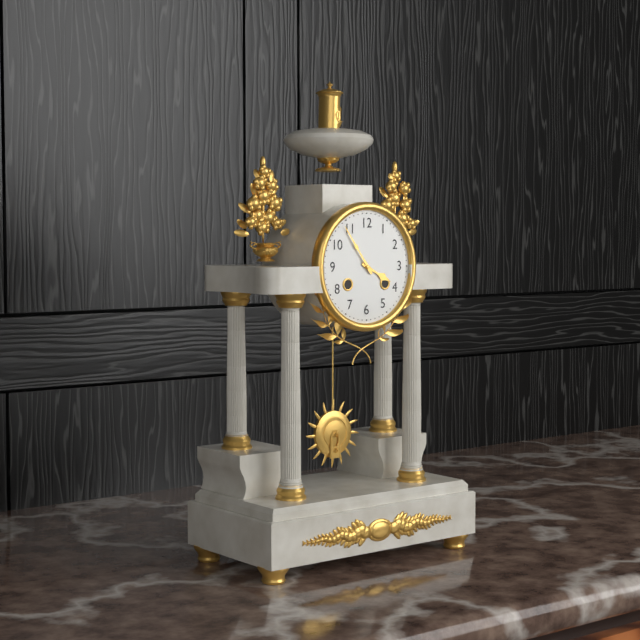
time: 3:54
